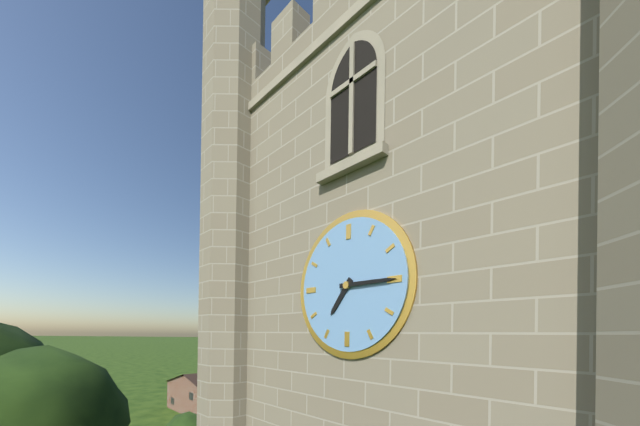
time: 7:15
